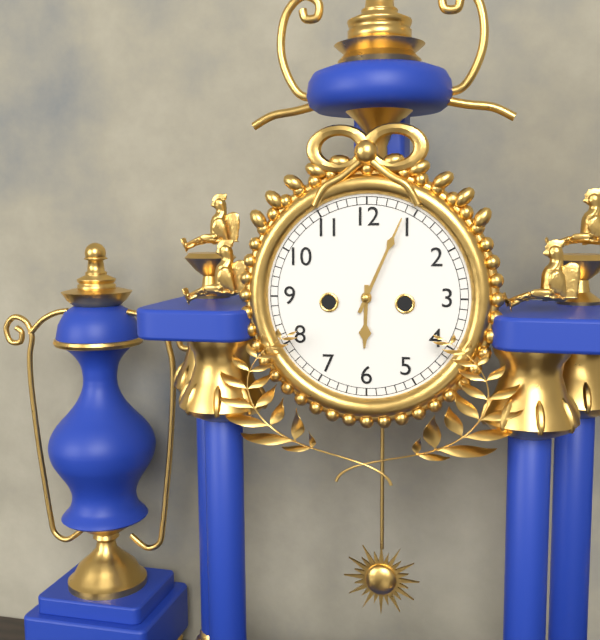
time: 6:04
